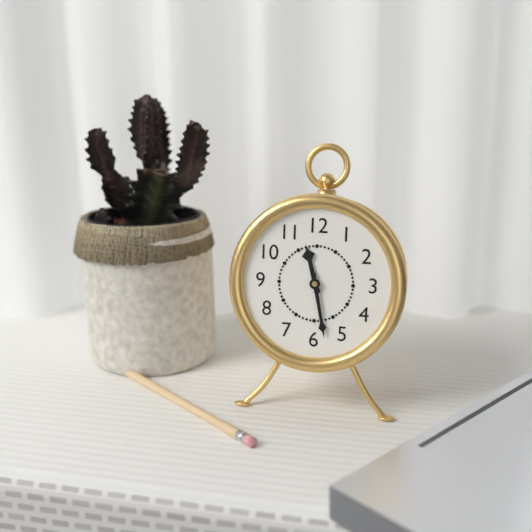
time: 11:28
